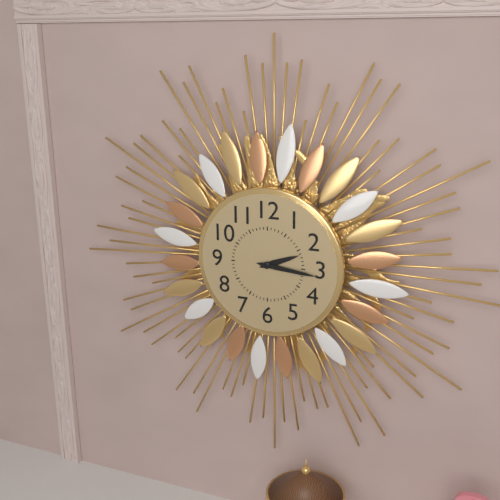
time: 2:16
